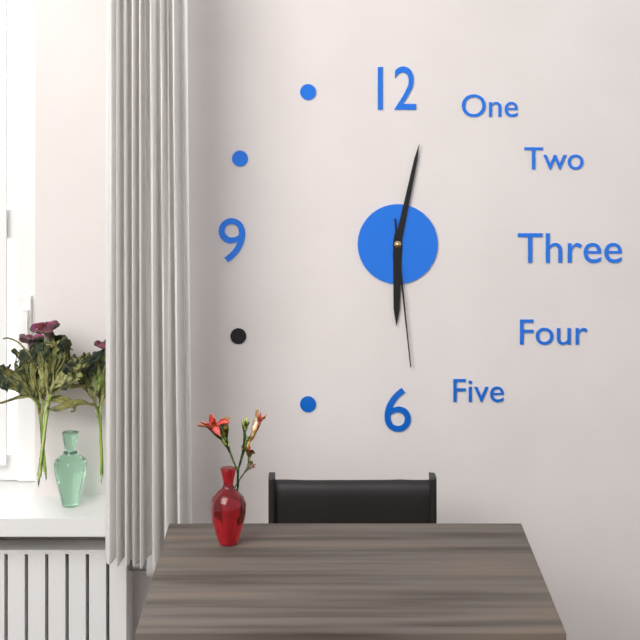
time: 6:02:29
